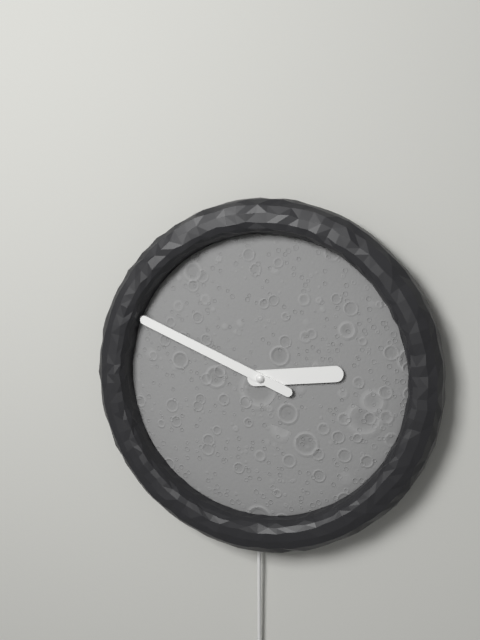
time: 2:49
